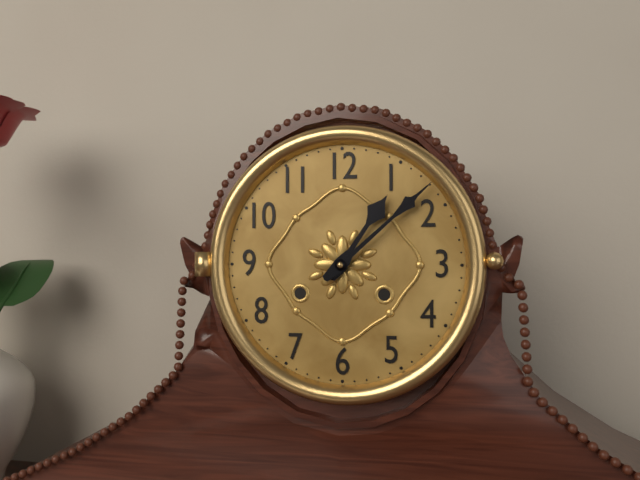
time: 1:08
